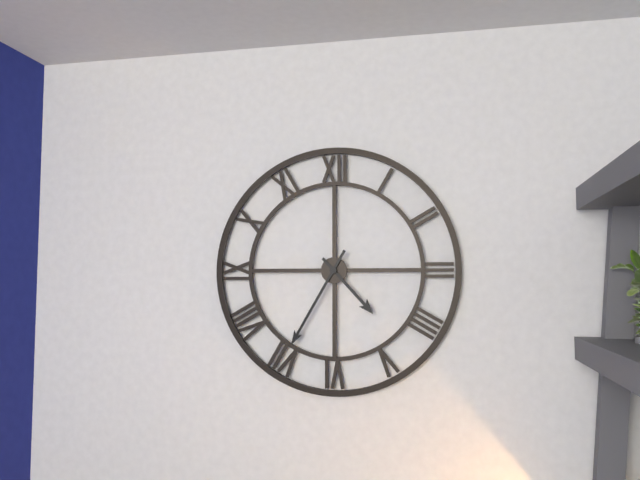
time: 4:35
